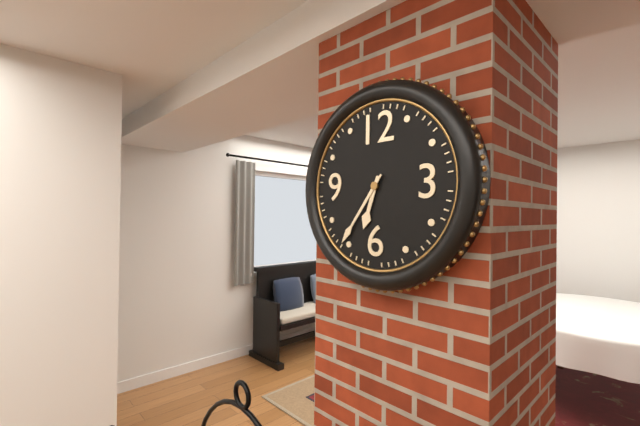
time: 6:36
